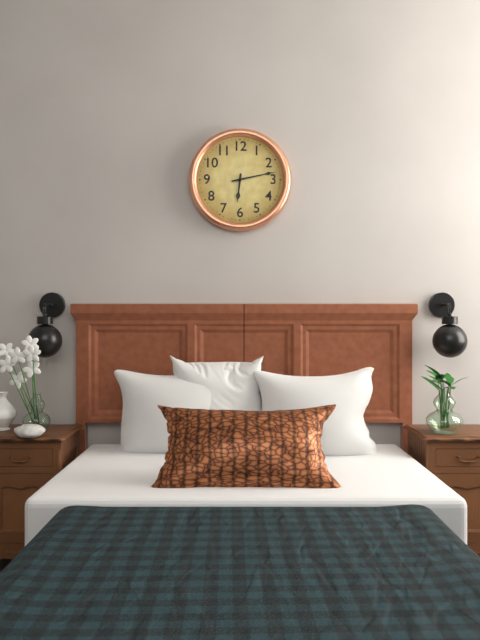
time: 6:13
